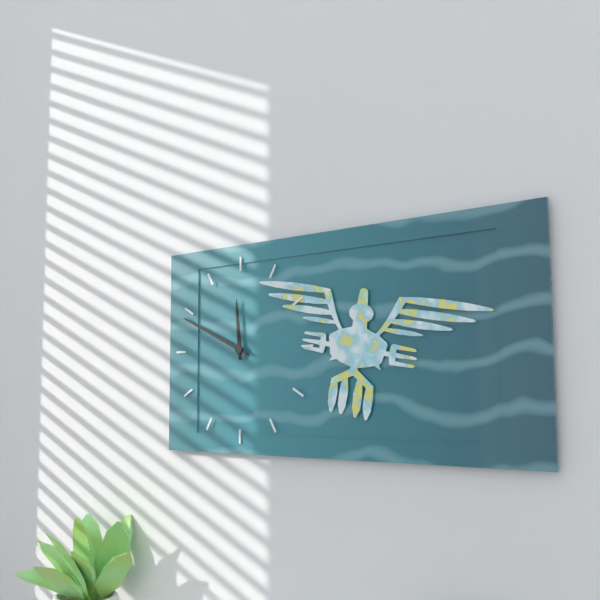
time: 11:49
